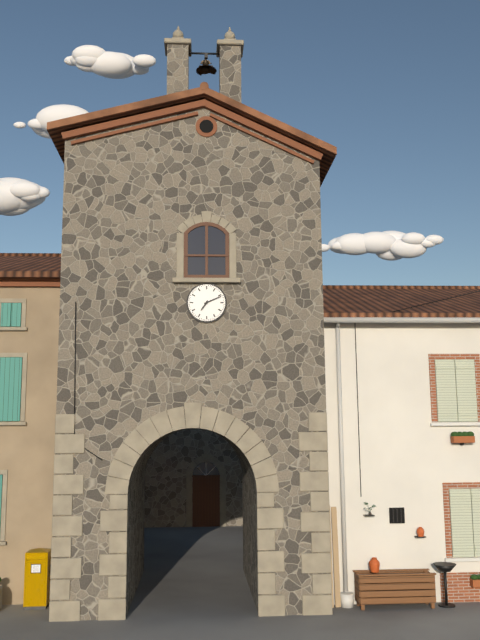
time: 7:11
